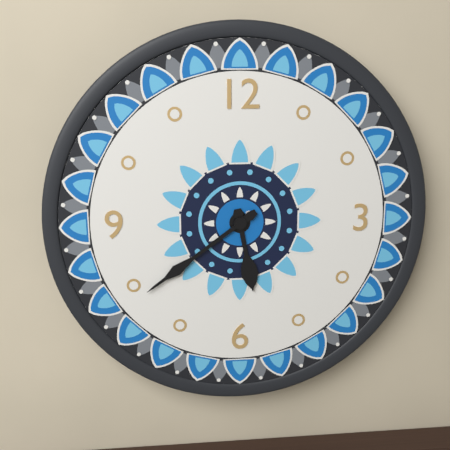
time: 5:39
